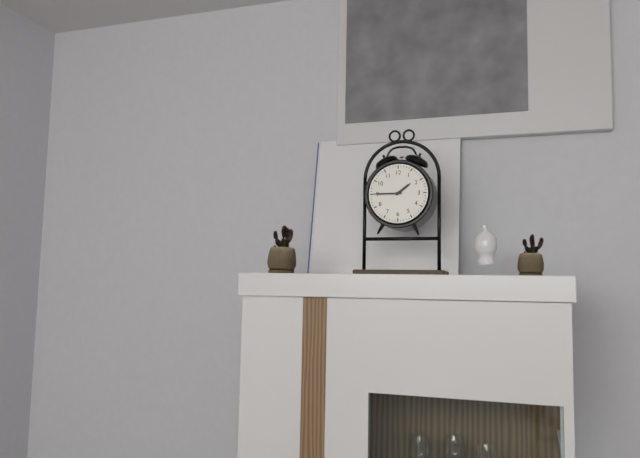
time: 1:45
